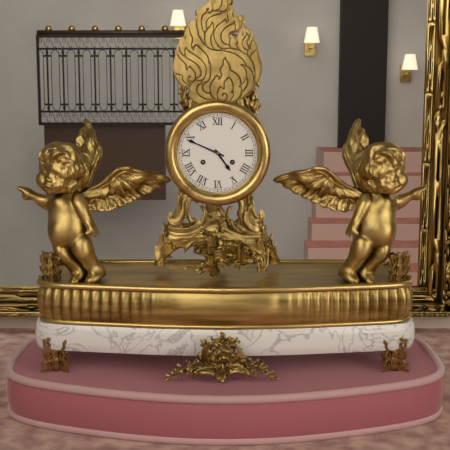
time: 4:49
